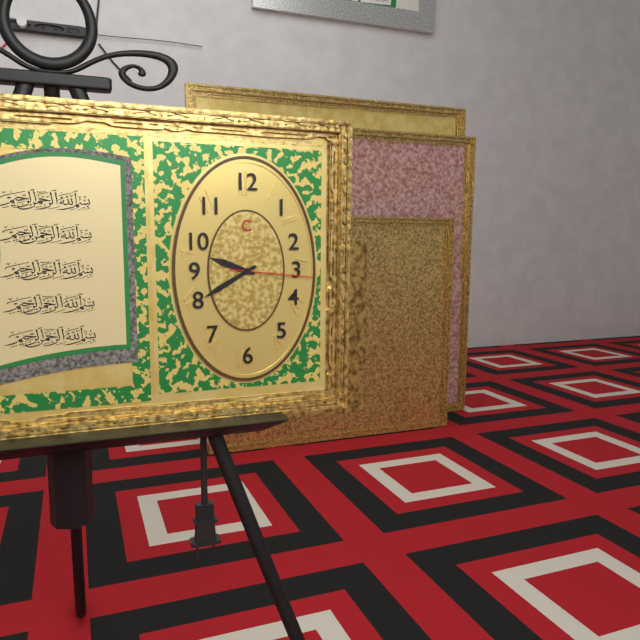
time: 9:40:16
